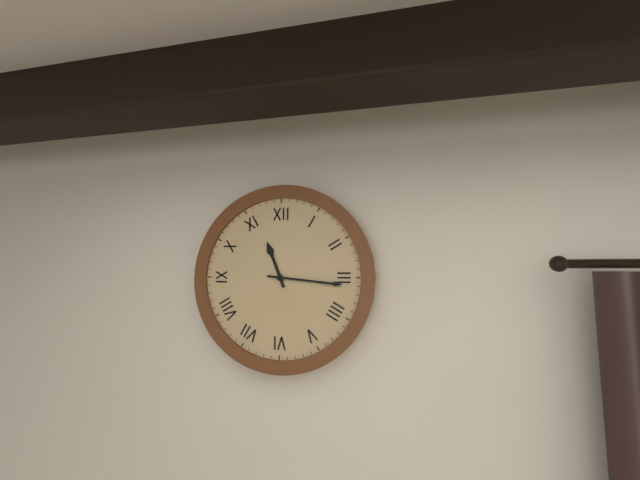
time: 11:16
